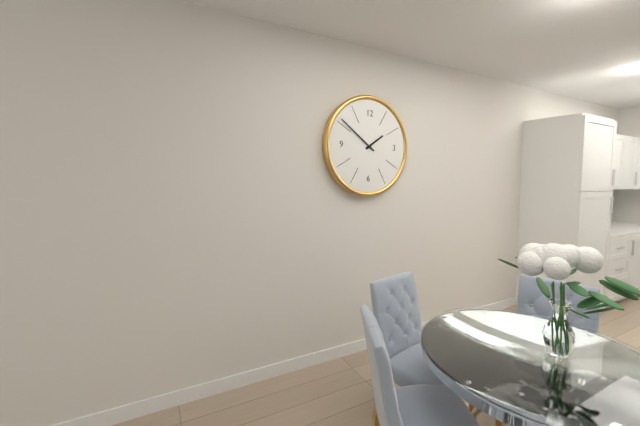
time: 1:51
